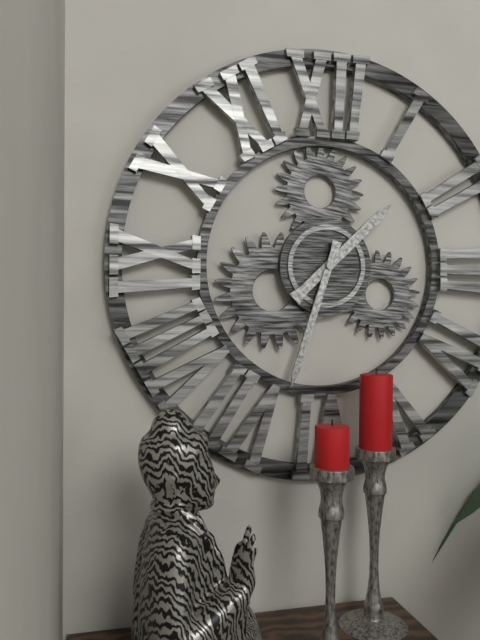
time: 1:33
